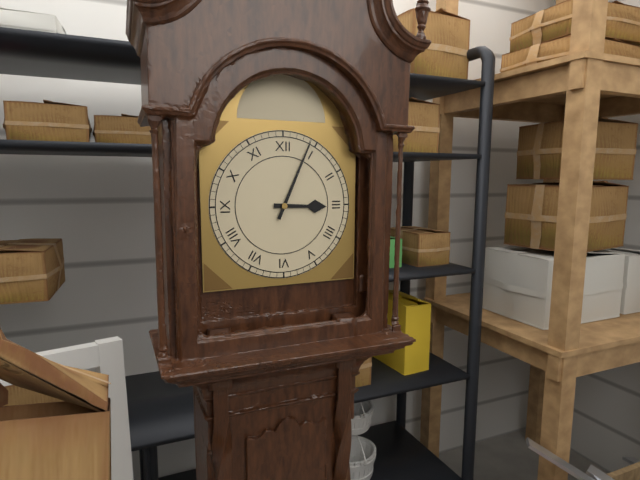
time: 3:04
